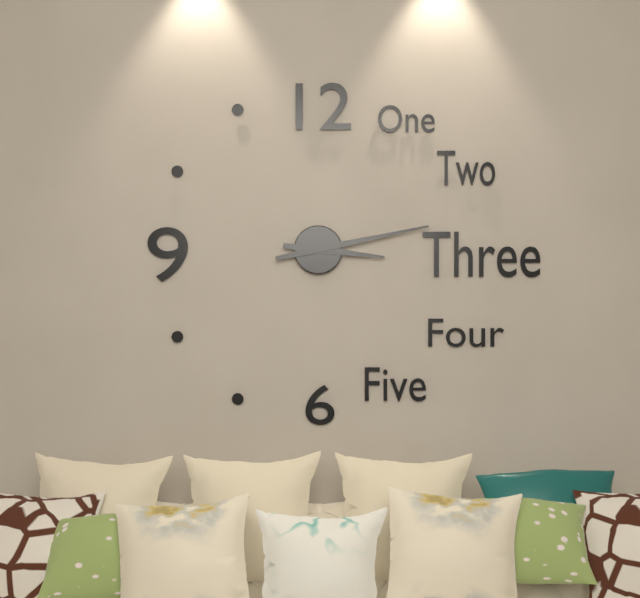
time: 3:13
